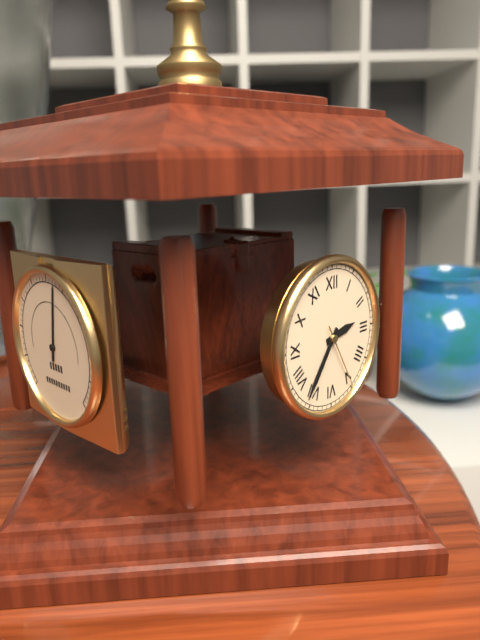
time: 2:36:25
